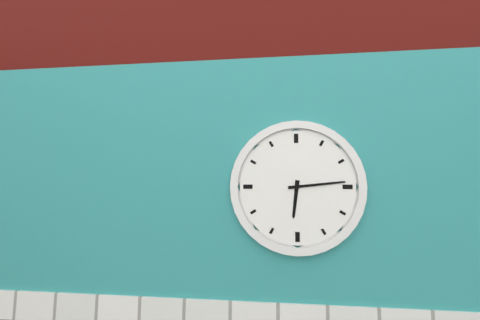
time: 6:14
